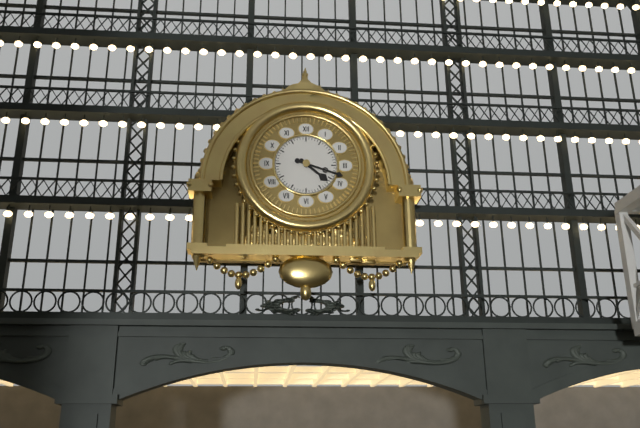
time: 4:18
